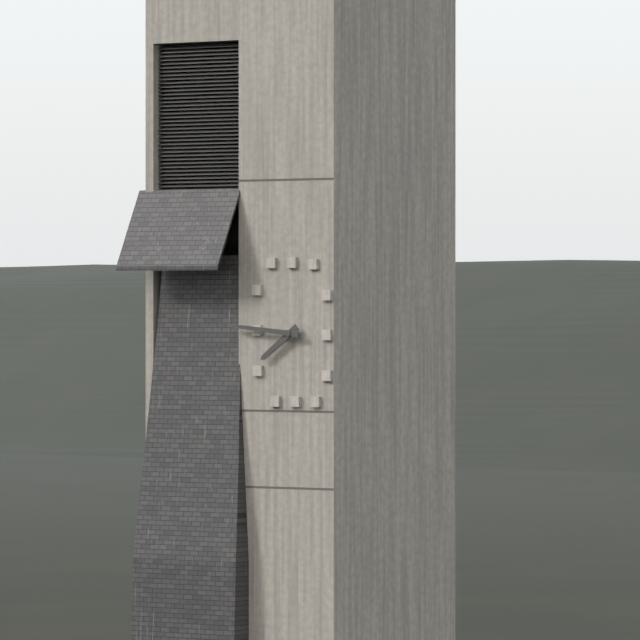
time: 7:46
